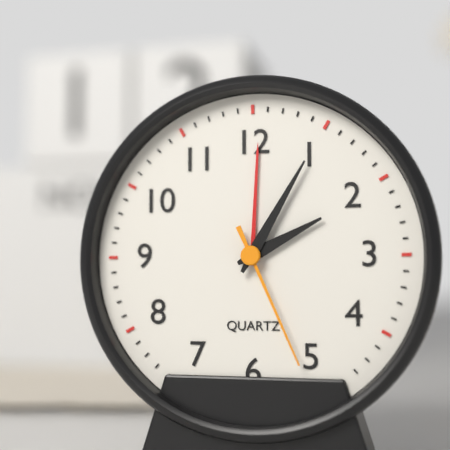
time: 2:05:26
